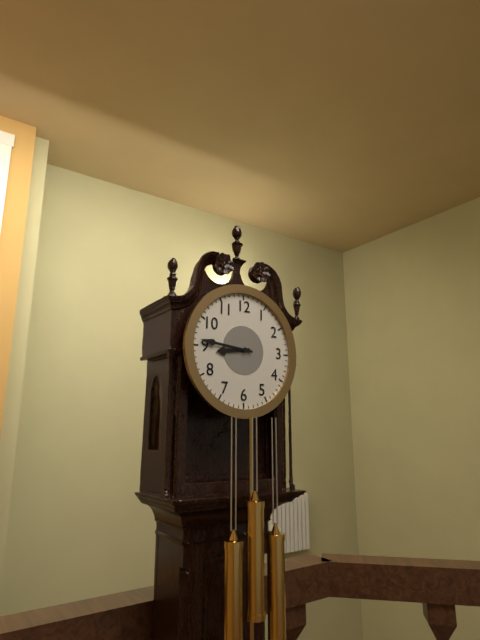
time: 8:46
